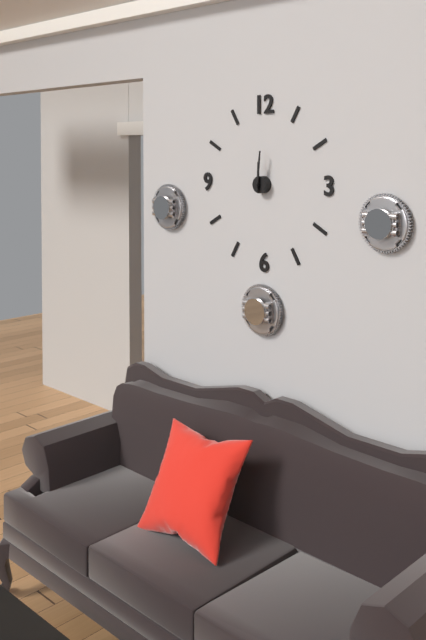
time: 12:01
